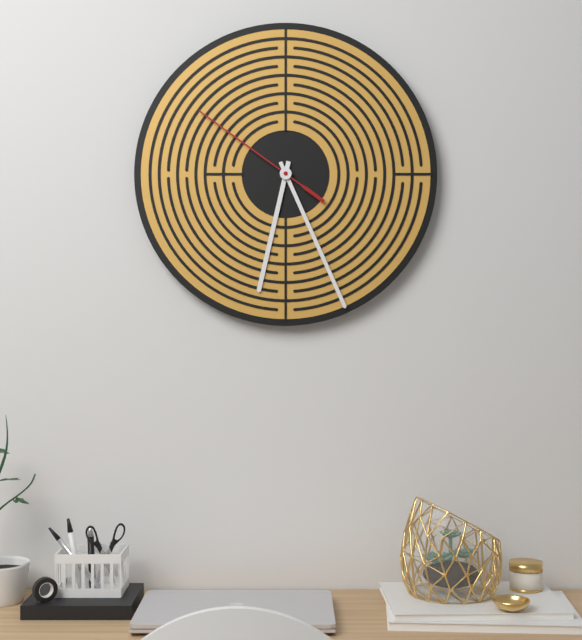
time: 6:26:51
